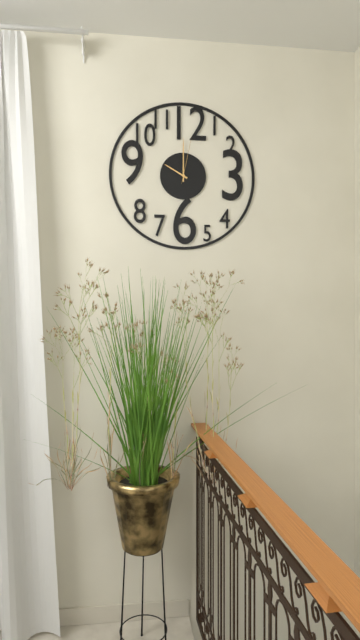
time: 10:00:02
